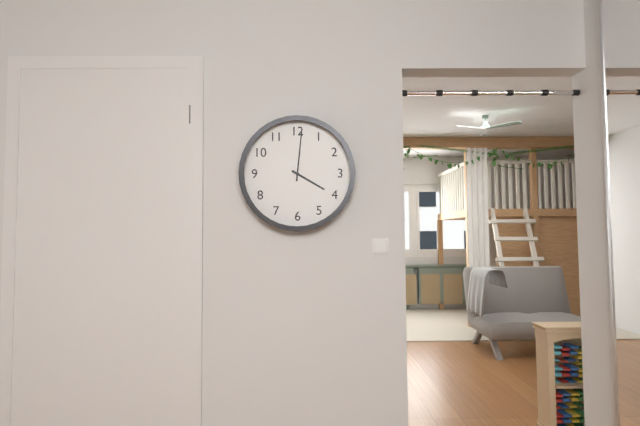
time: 4:01
